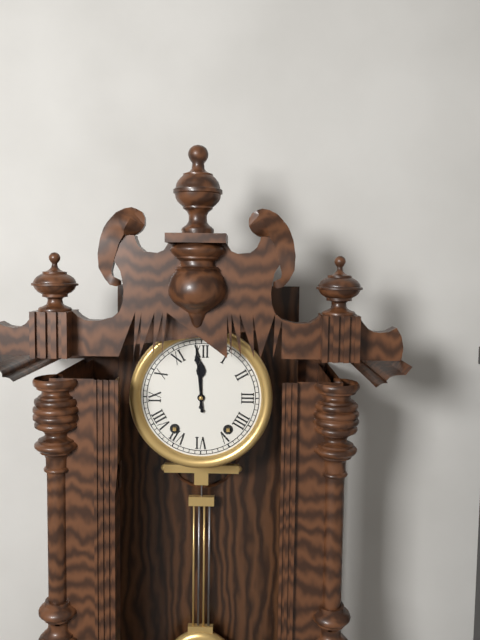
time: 11:59
